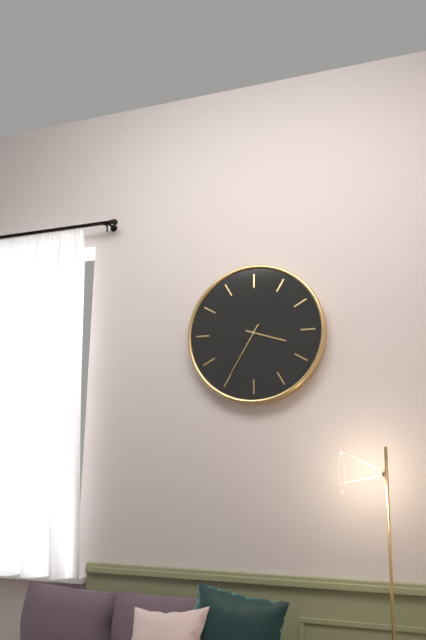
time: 3:35
